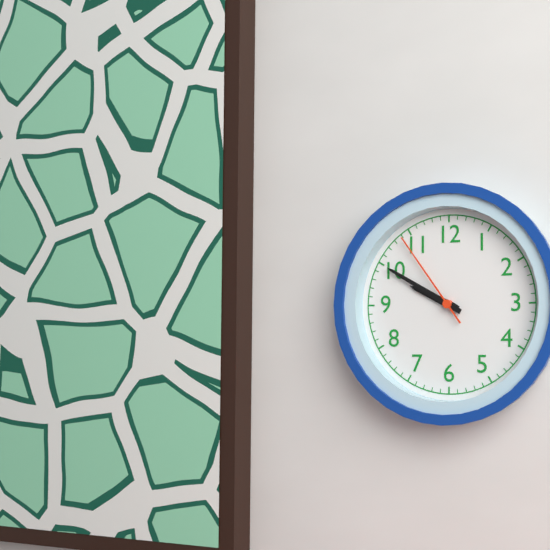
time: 9:50:54
